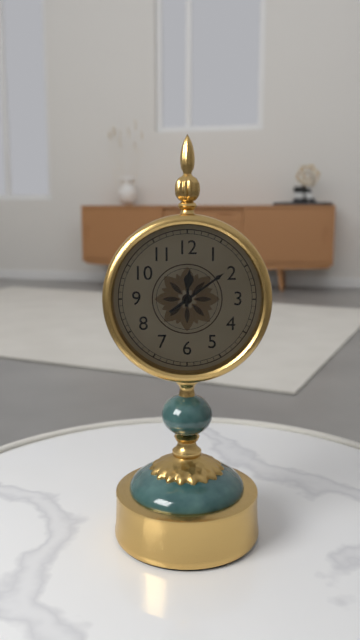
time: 12:09
